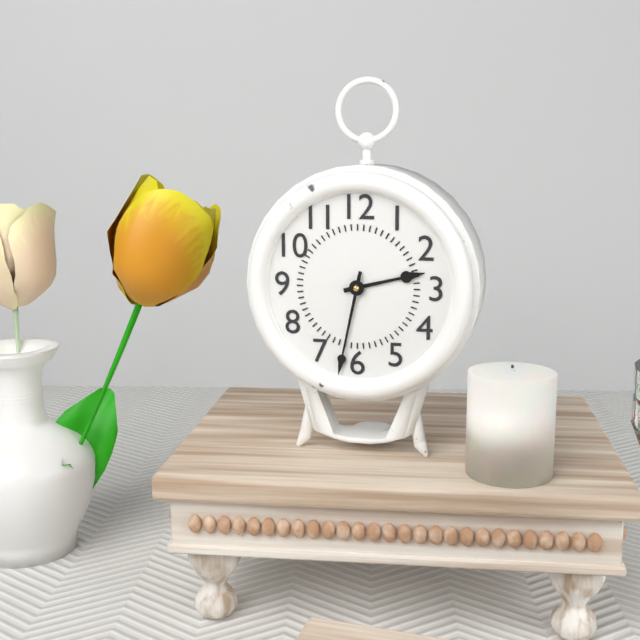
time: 2:32
